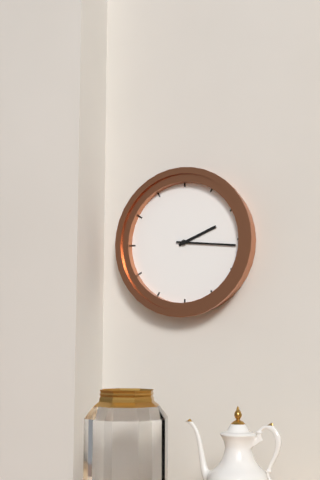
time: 2:16
